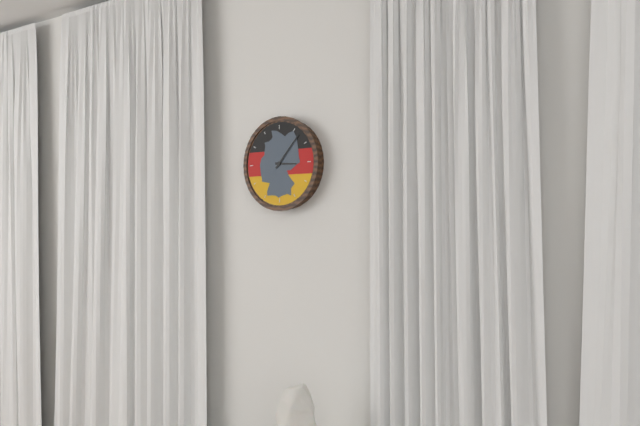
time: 3:07
